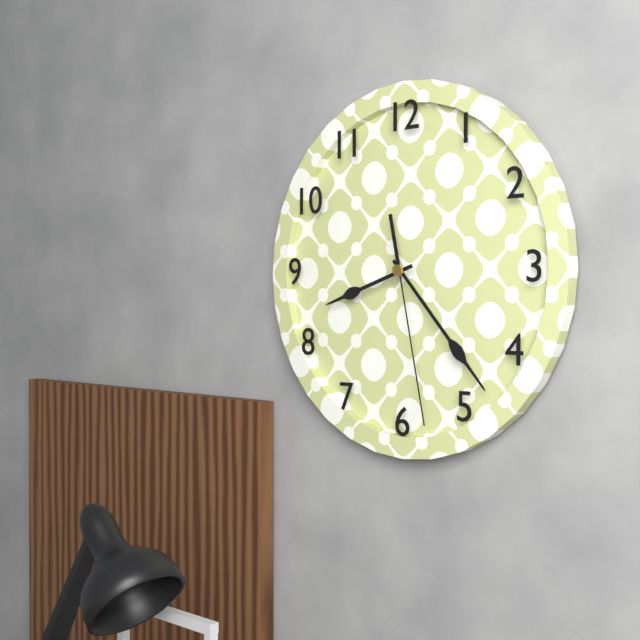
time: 8:23:28
